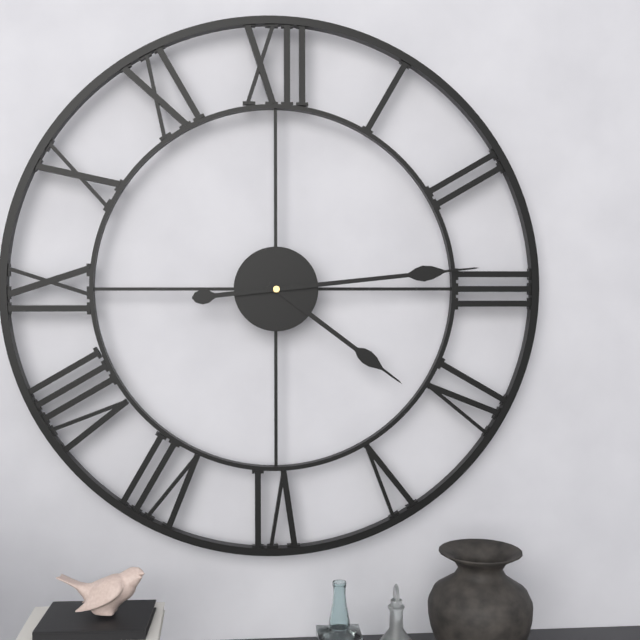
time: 4:14
